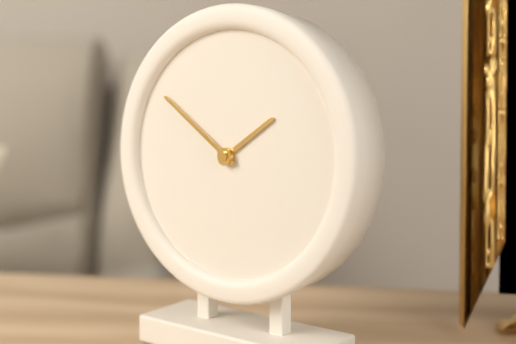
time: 1:51
